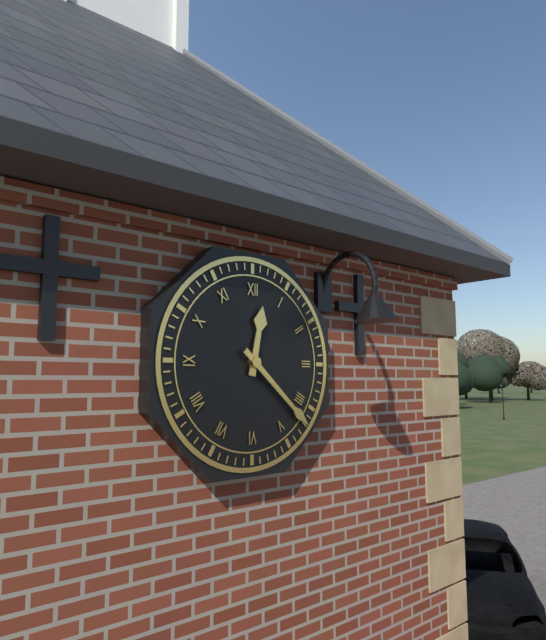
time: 12:22
